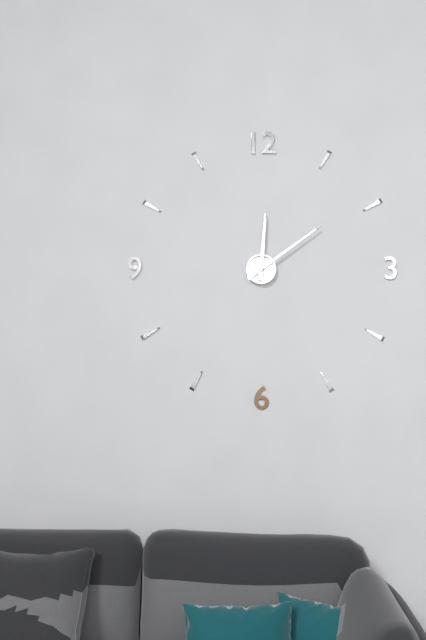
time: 12:09
